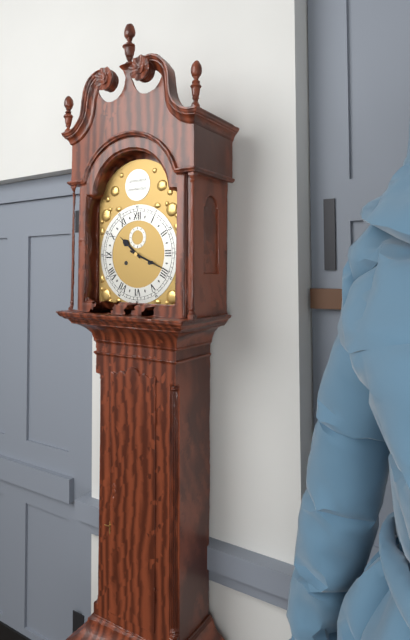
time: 10:19
